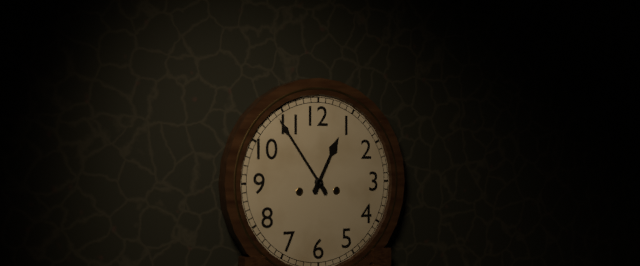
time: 12:54
